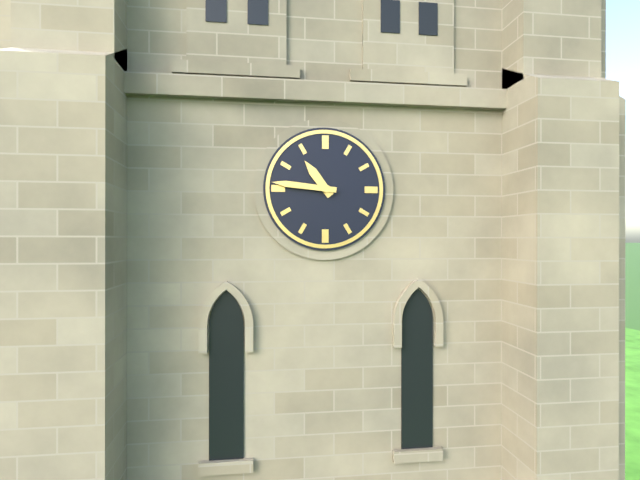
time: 10:46
